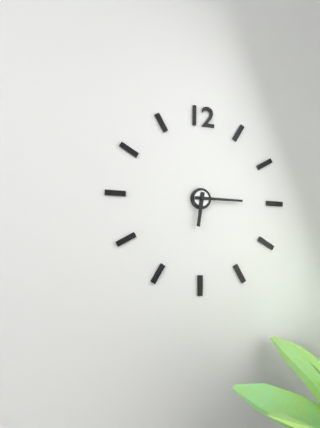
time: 6:15
